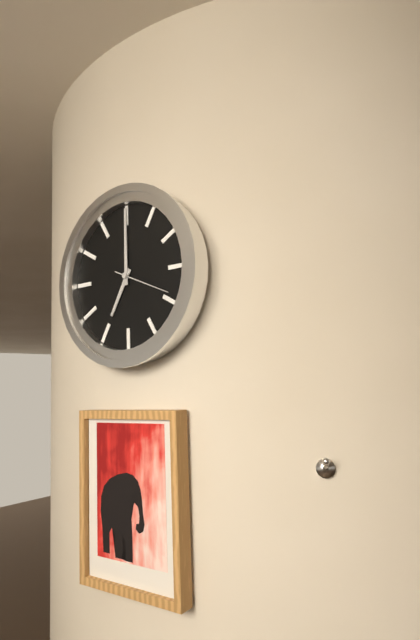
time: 7:00:19
